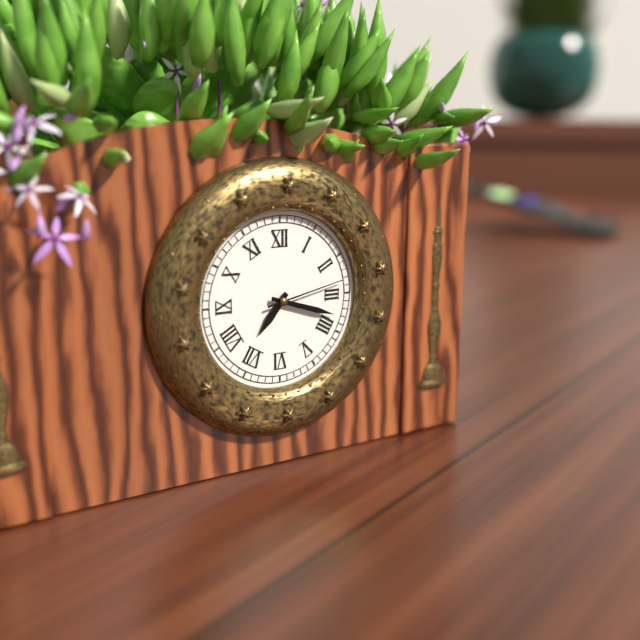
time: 7:18:13
